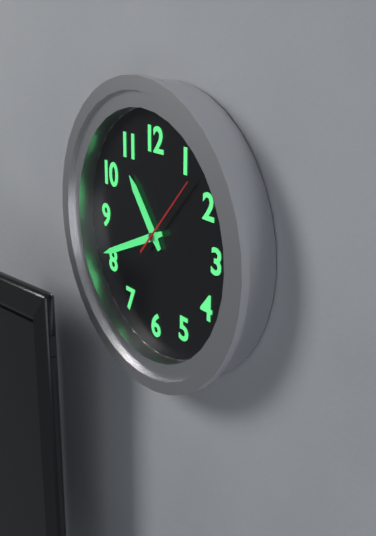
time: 10:41:07
